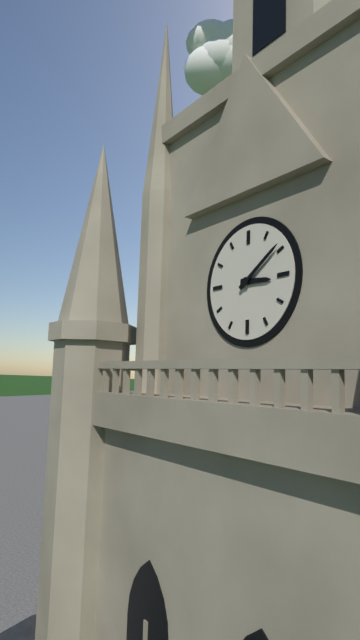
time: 3:09
